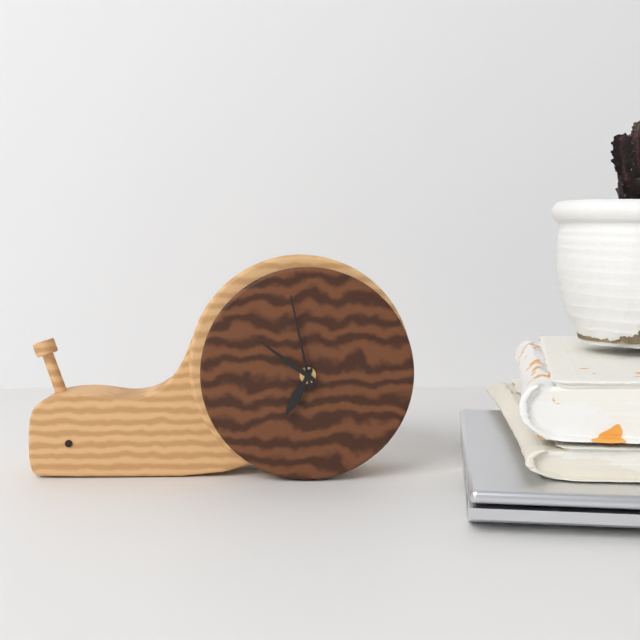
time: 6:58:51
